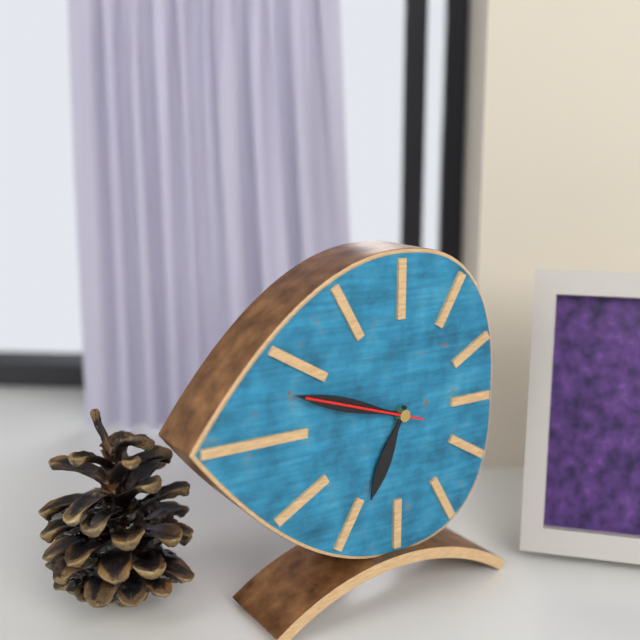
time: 6:48:48
